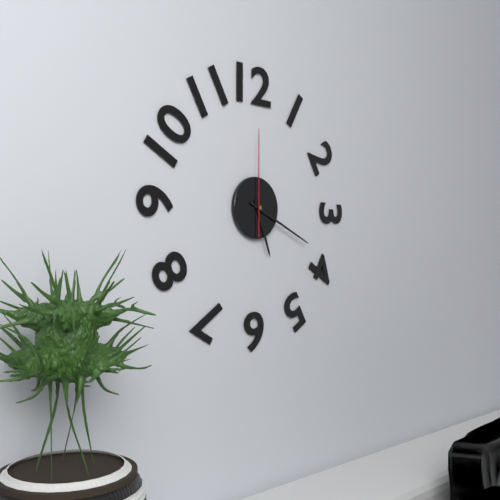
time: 5:19:00
